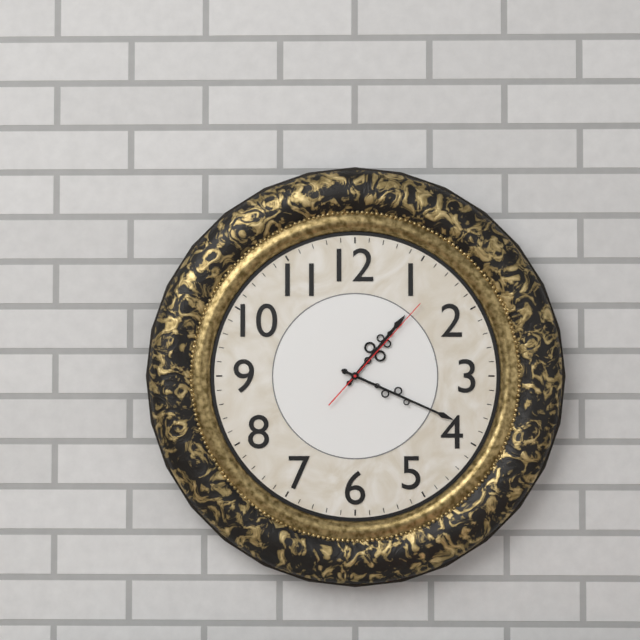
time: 1:19:07
